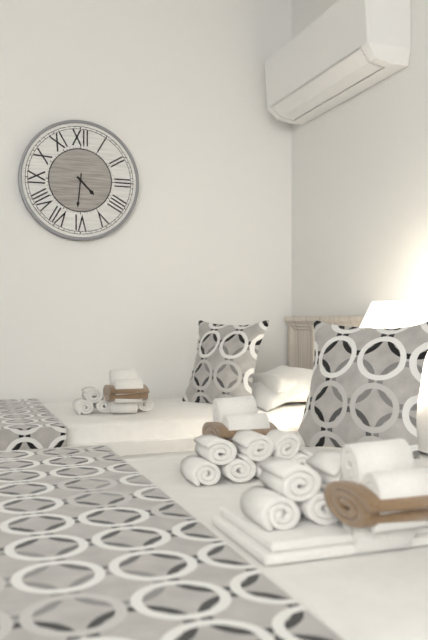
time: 4:31
